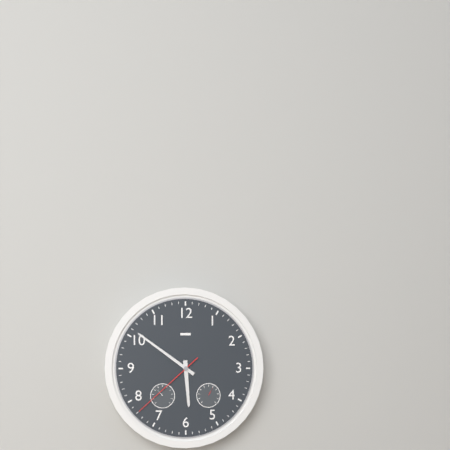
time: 5:51:38
